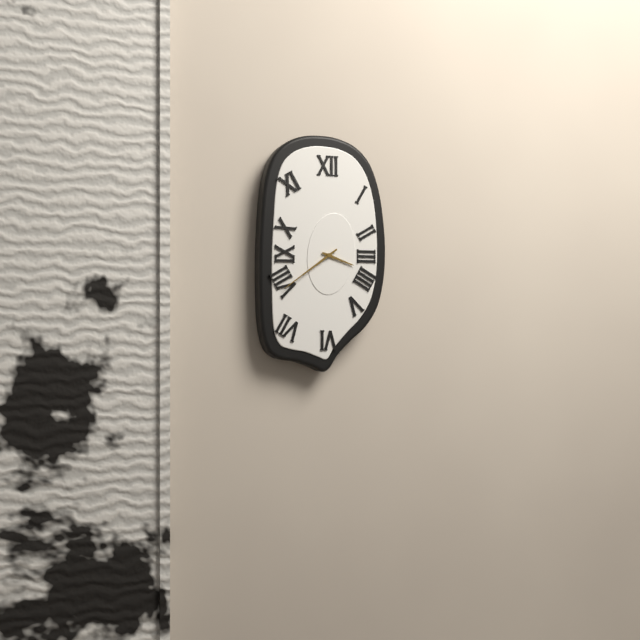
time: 3:39
